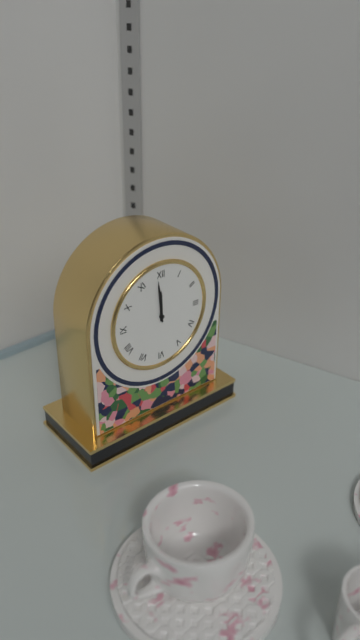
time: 11:59
